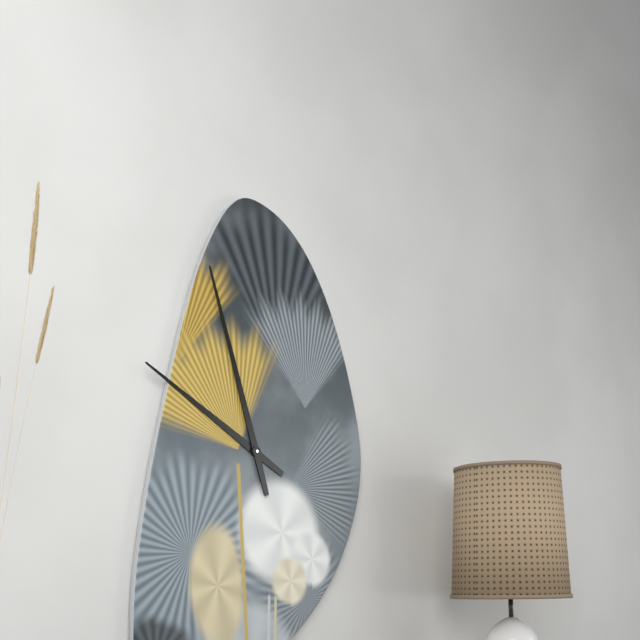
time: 9:57
